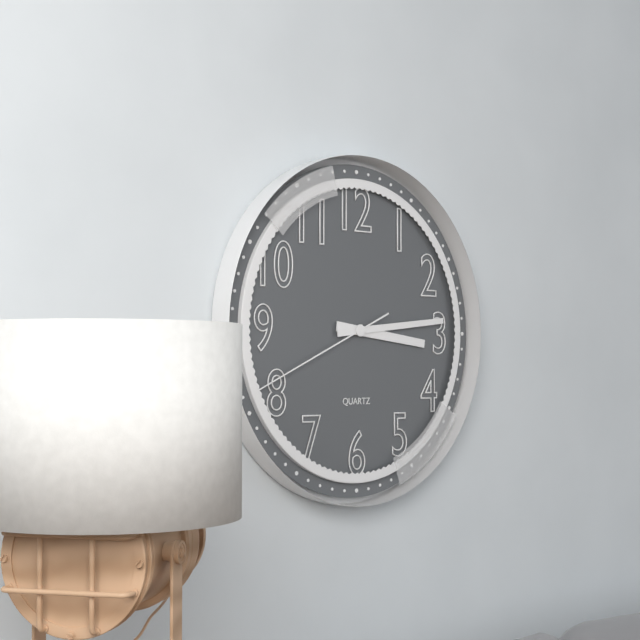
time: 3:14:41
